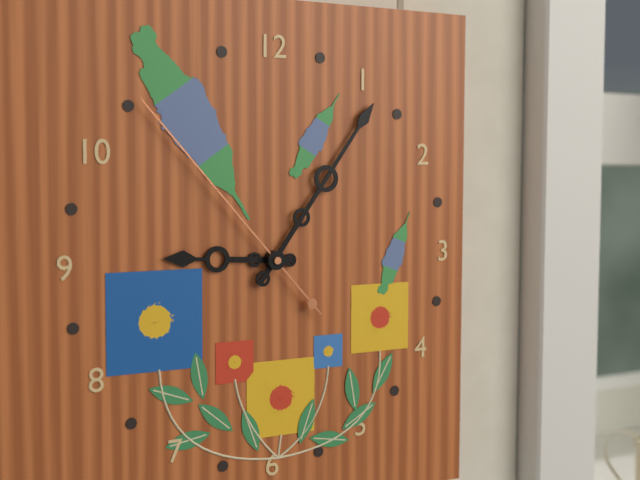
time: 9:06:53
